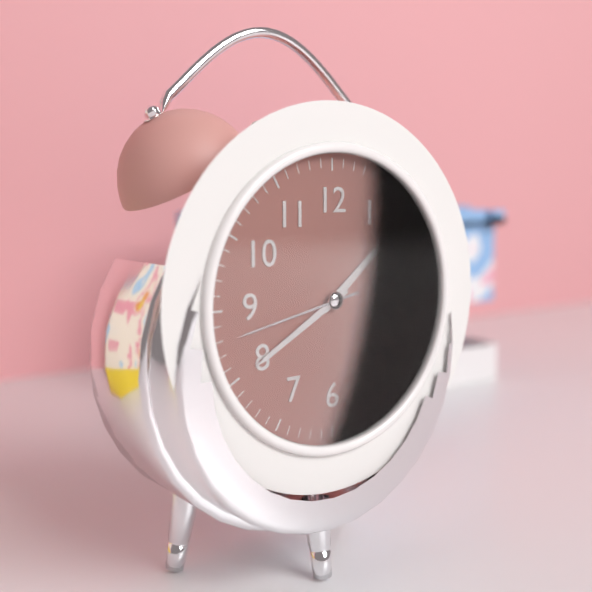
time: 1:40:43
